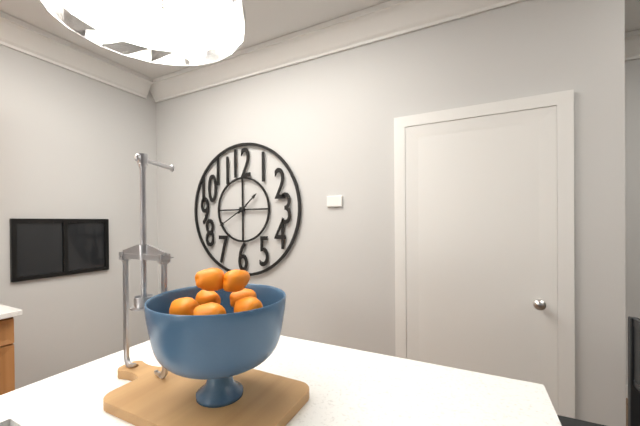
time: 1:40
